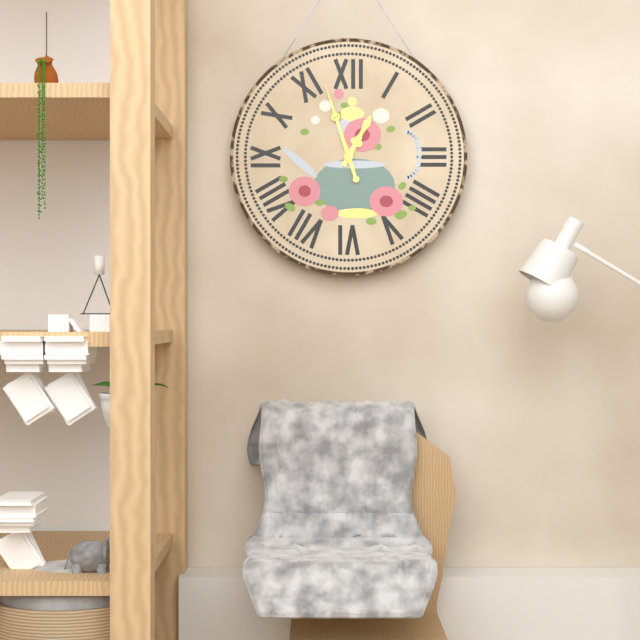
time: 12:57
